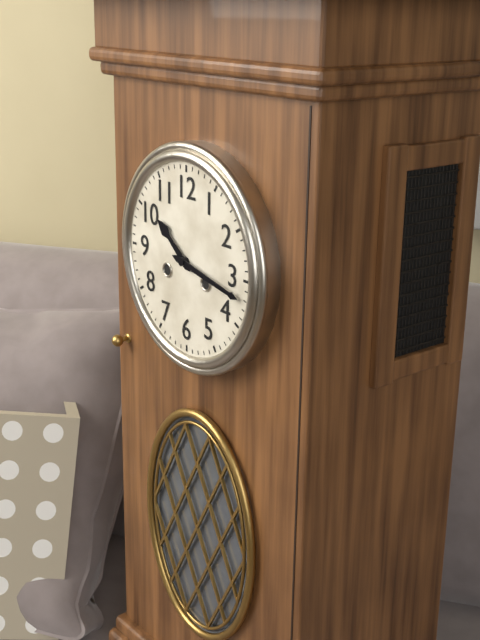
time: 10:17
